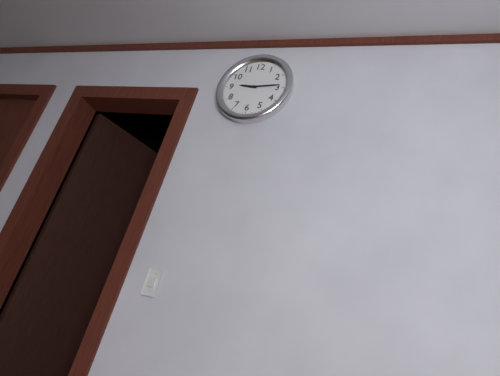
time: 9:14
